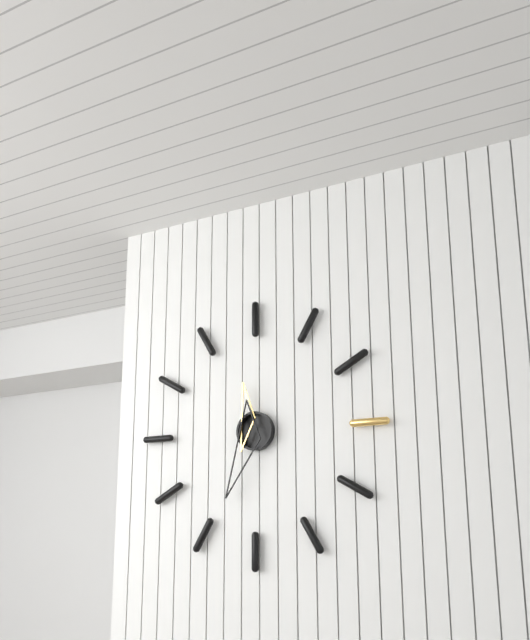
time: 11:34
